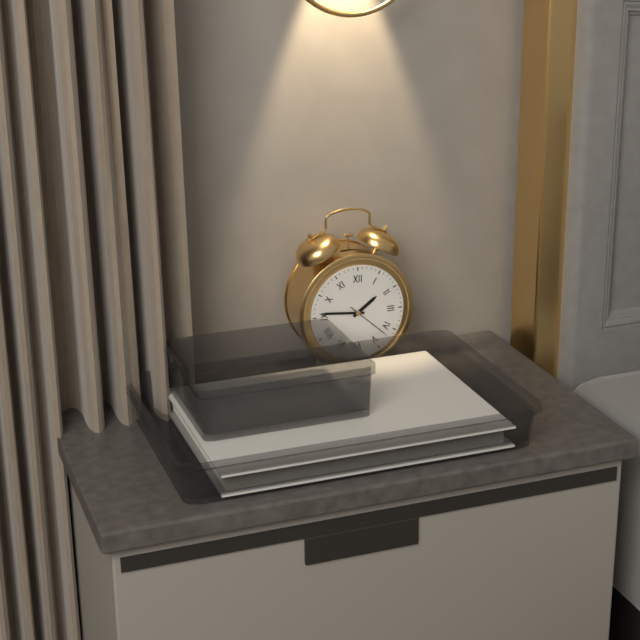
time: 1:46
